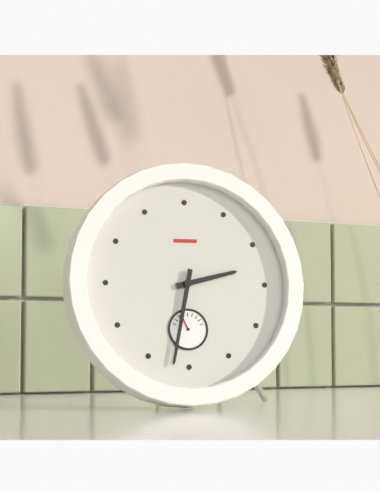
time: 2:32
